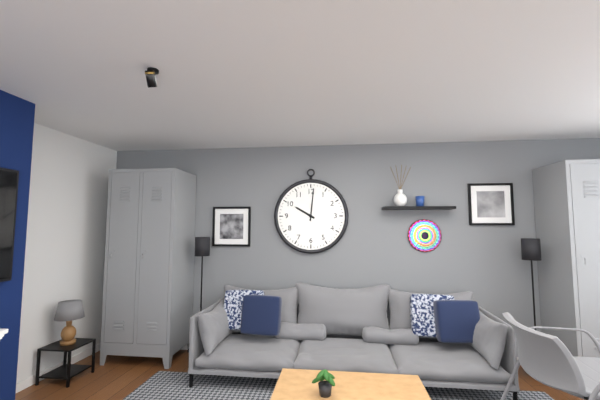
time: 10:01
